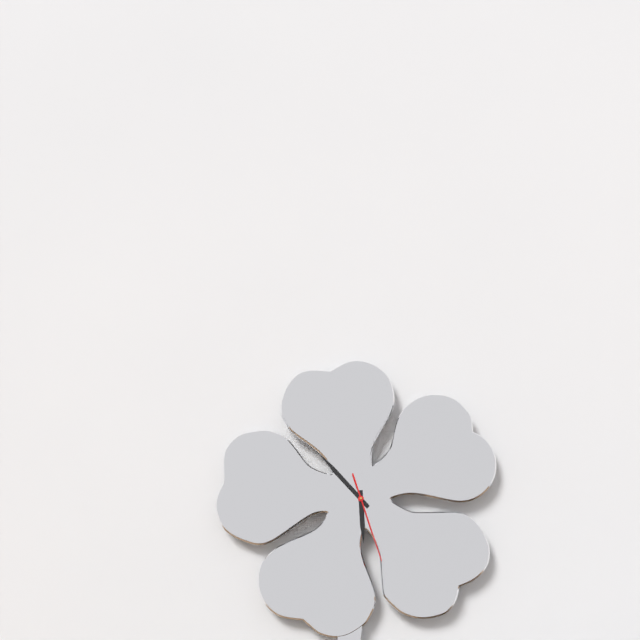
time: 5:53:27
